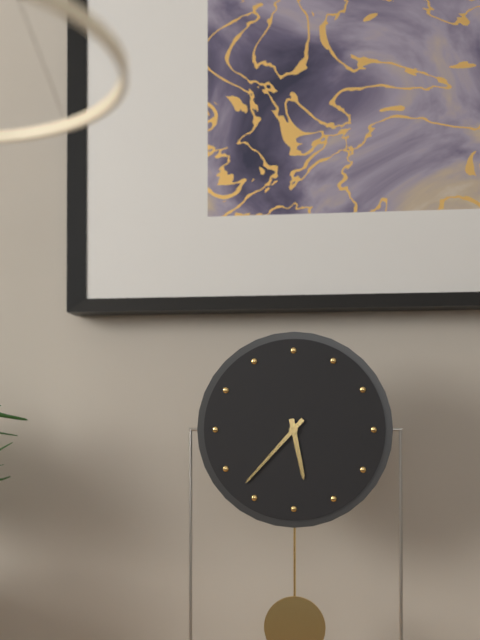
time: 5:37
